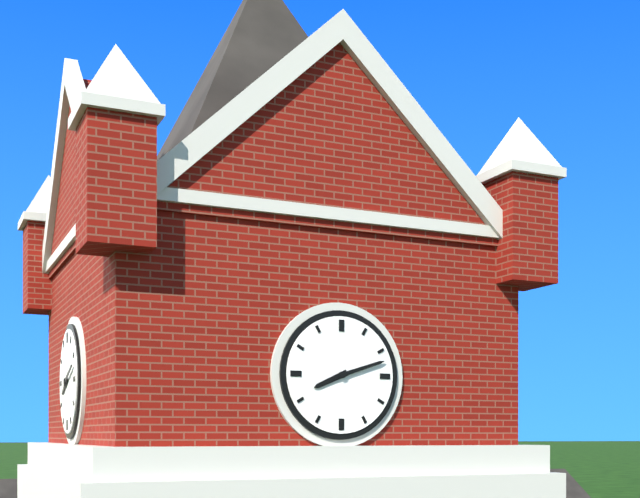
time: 8:12
